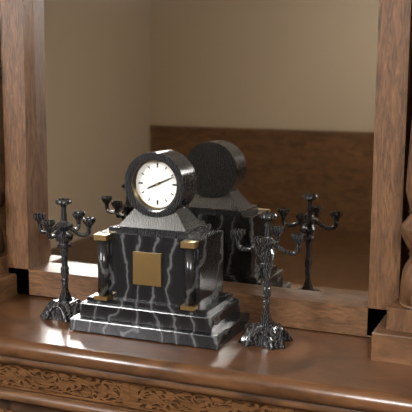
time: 8:11
